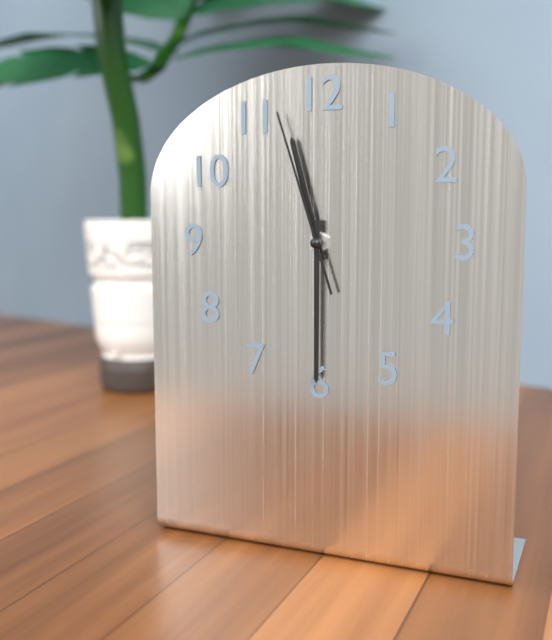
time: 11:30:57
